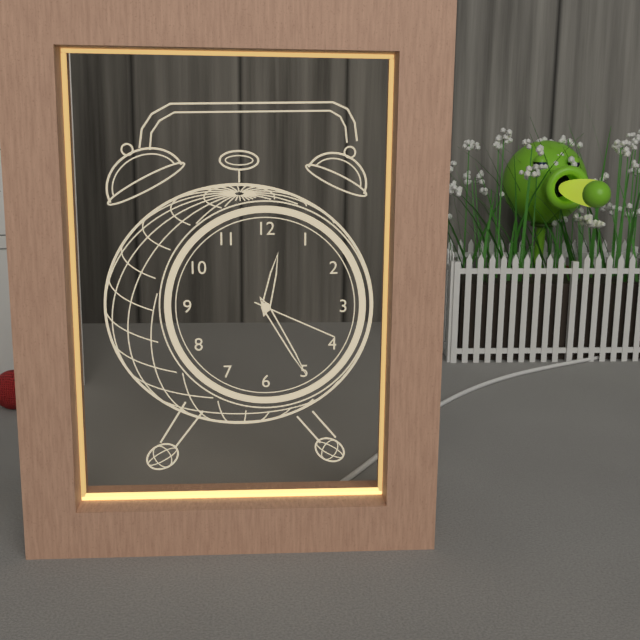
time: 12:25:19
